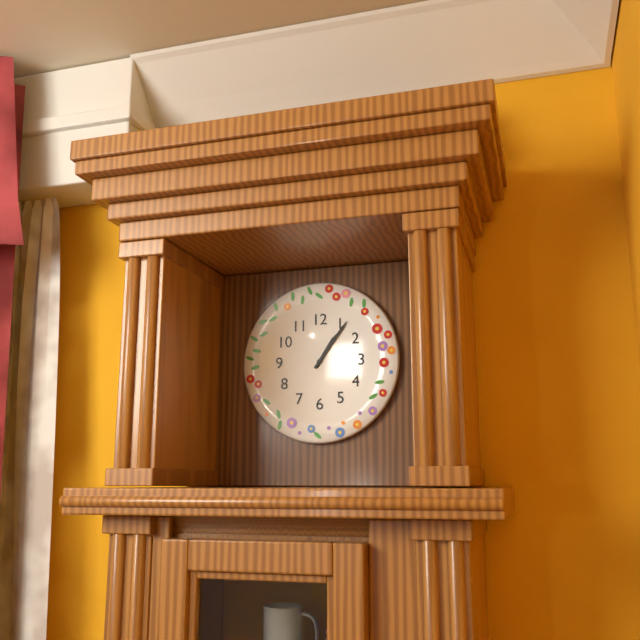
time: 1:06
